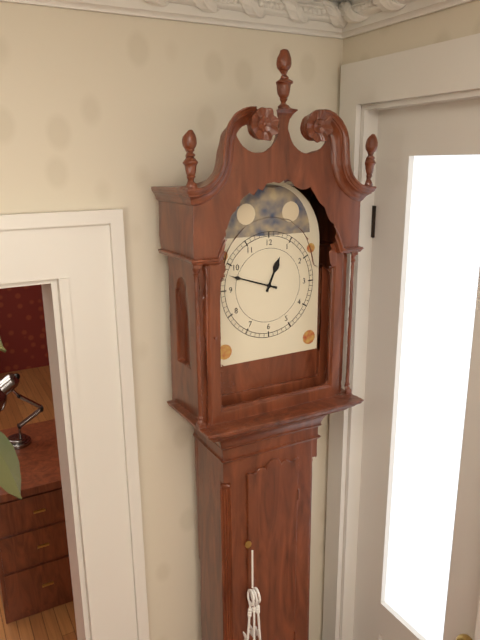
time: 12:48
